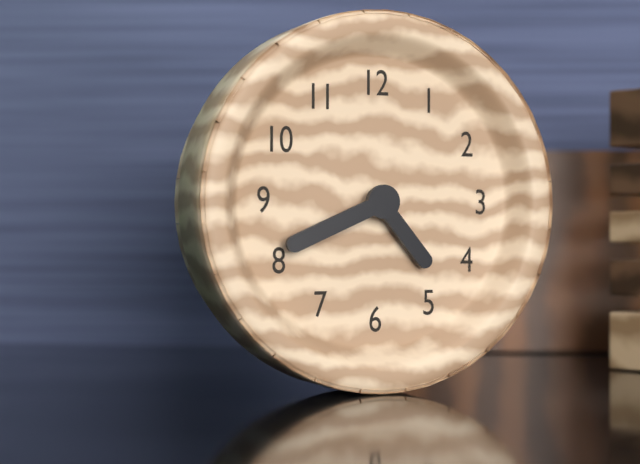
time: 4:41
